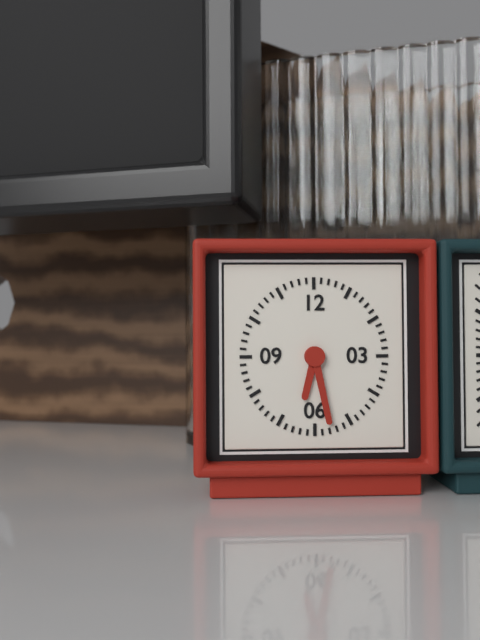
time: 6:28
